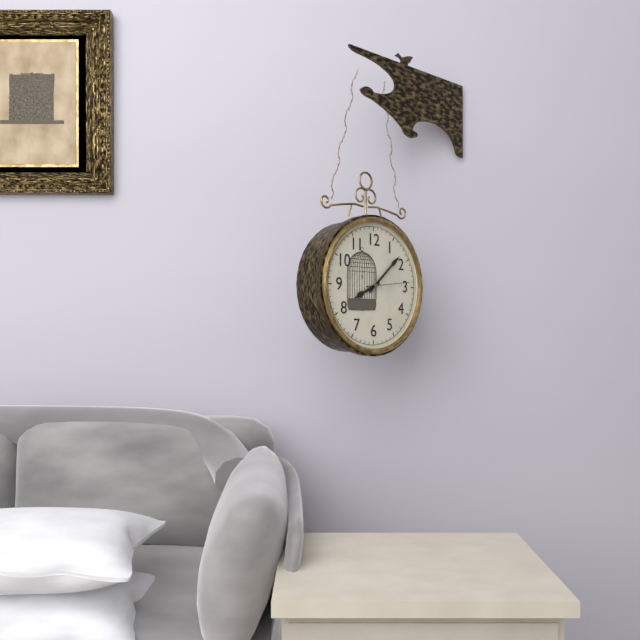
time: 8:08
